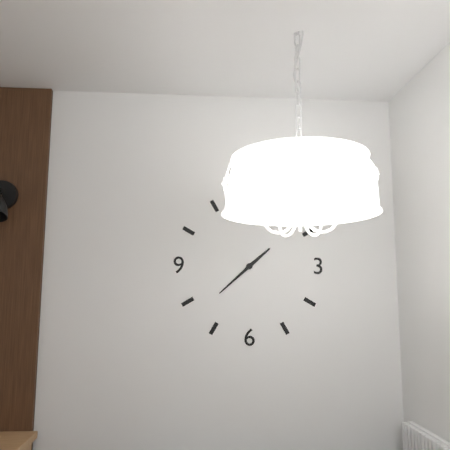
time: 1:38
